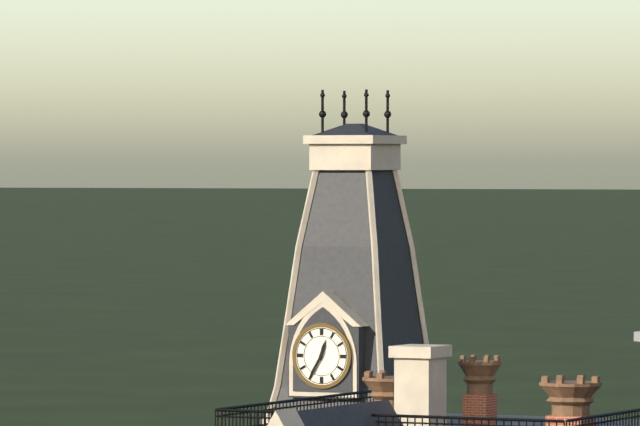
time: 12:35
